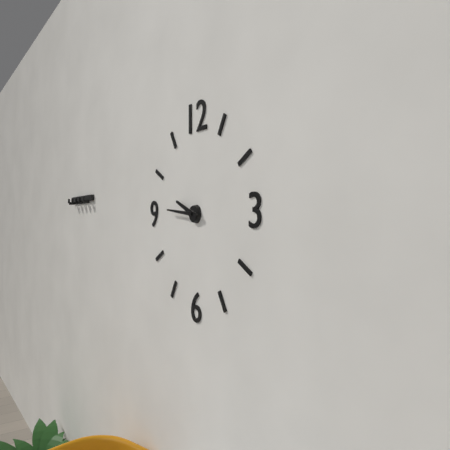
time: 9:46
